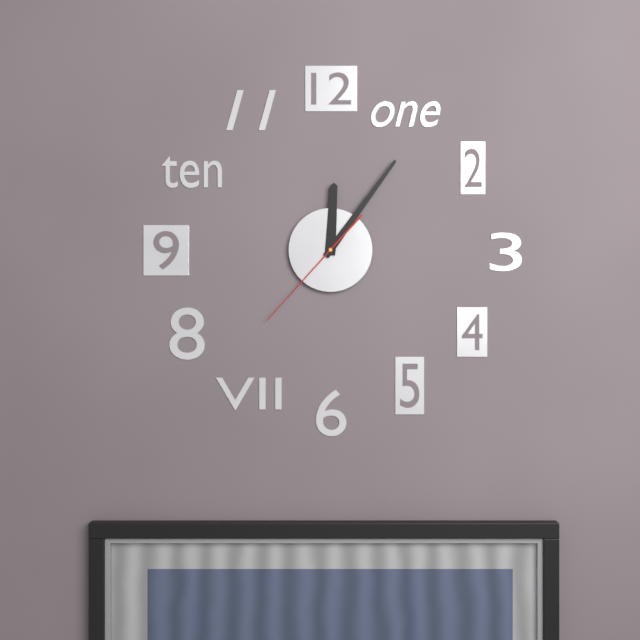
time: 12:06:37
